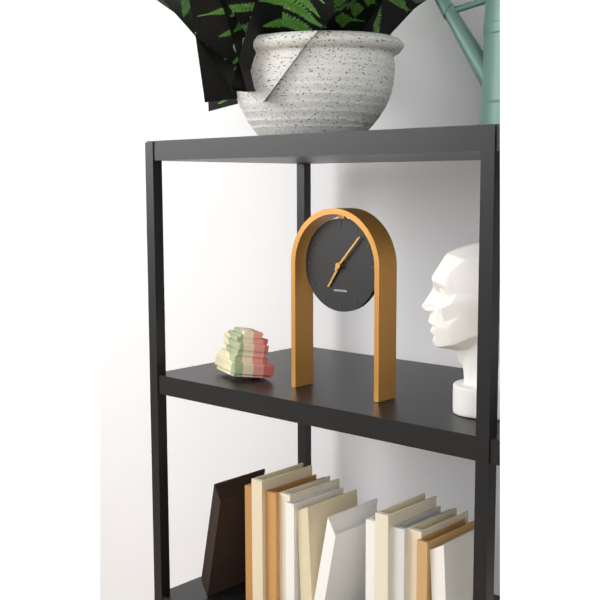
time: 7:07
